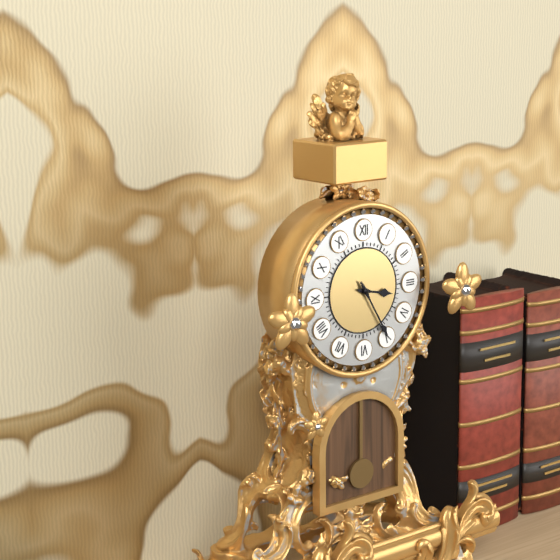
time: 3:25
